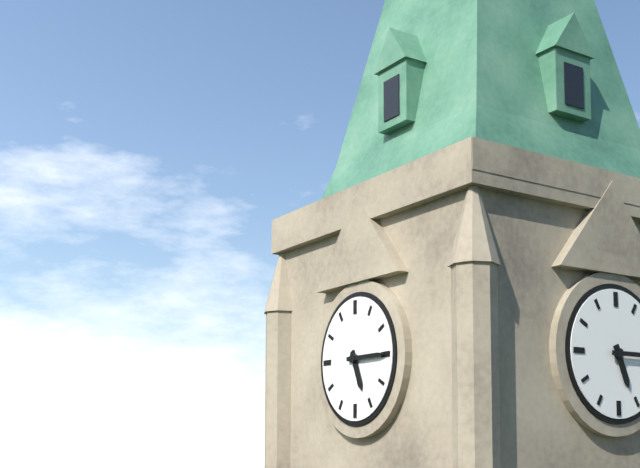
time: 5:15
